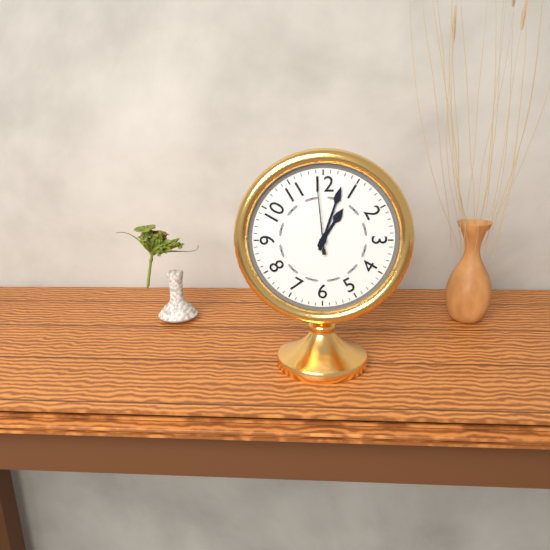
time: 1:03:59
